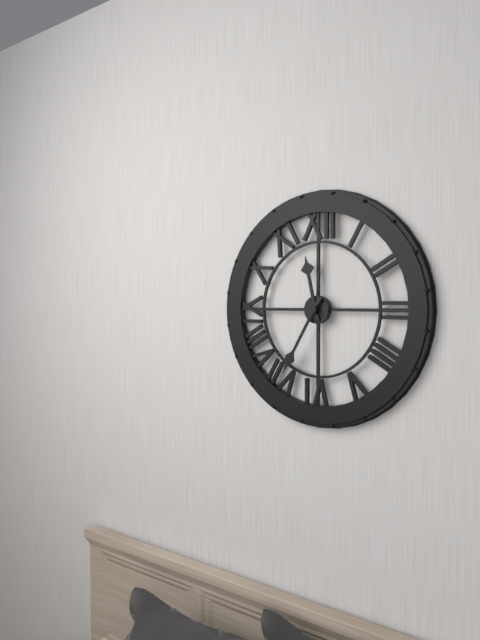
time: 11:35
